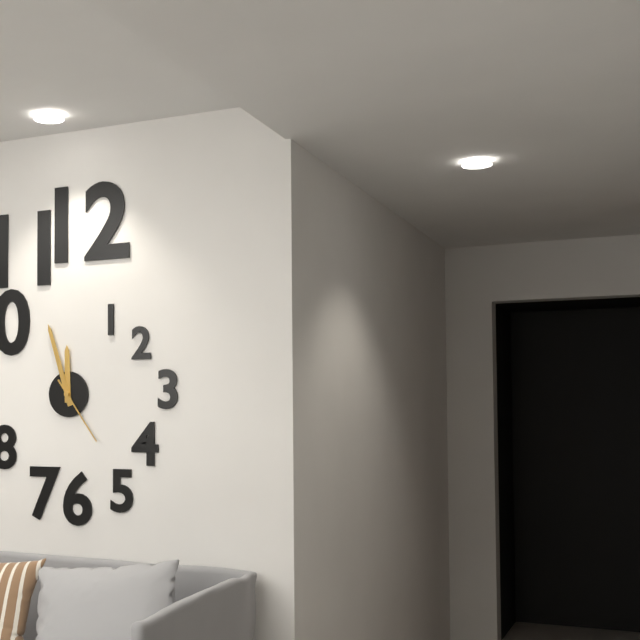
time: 11:57:24
